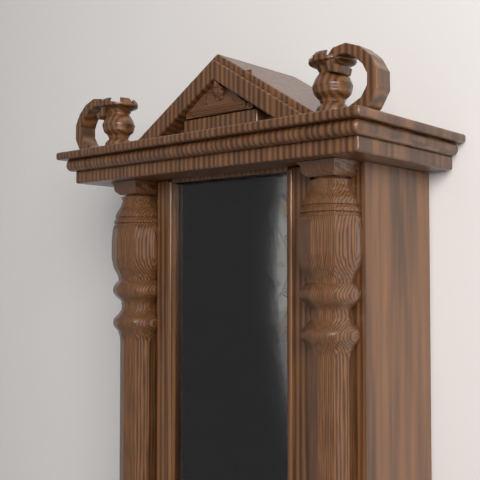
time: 4:28
